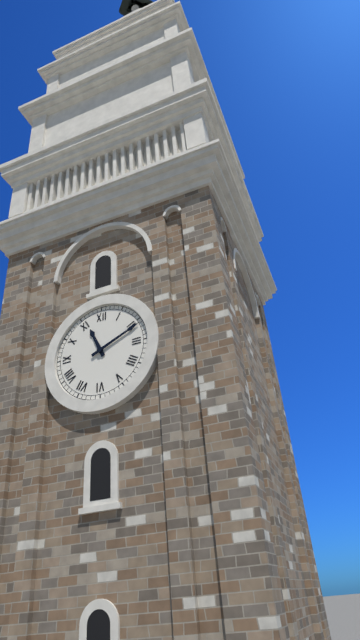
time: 11:11
